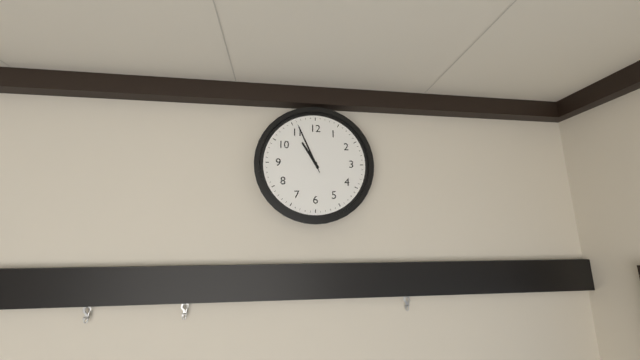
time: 10:56:56
